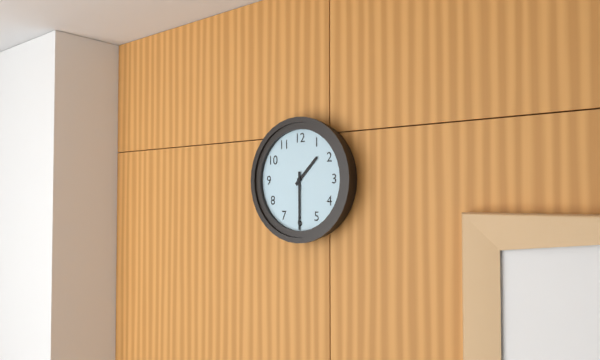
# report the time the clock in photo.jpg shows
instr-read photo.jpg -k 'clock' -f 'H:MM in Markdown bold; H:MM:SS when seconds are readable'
**1:30**
